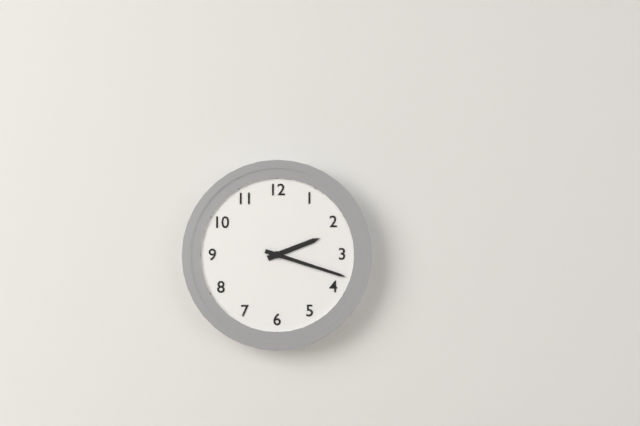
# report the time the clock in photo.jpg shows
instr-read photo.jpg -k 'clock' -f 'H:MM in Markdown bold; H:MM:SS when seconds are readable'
**2:18**
